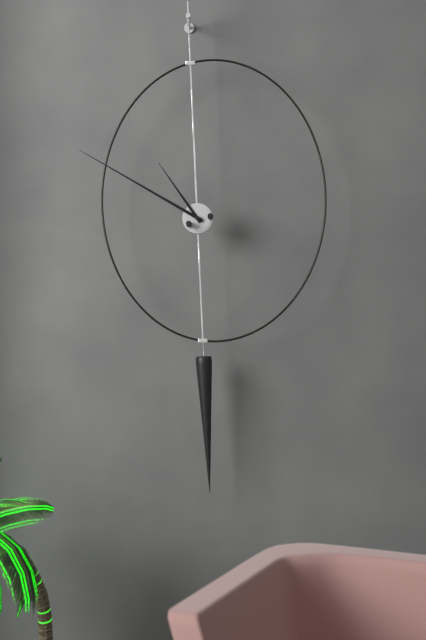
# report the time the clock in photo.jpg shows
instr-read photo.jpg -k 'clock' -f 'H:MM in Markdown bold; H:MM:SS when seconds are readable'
**10:50**
